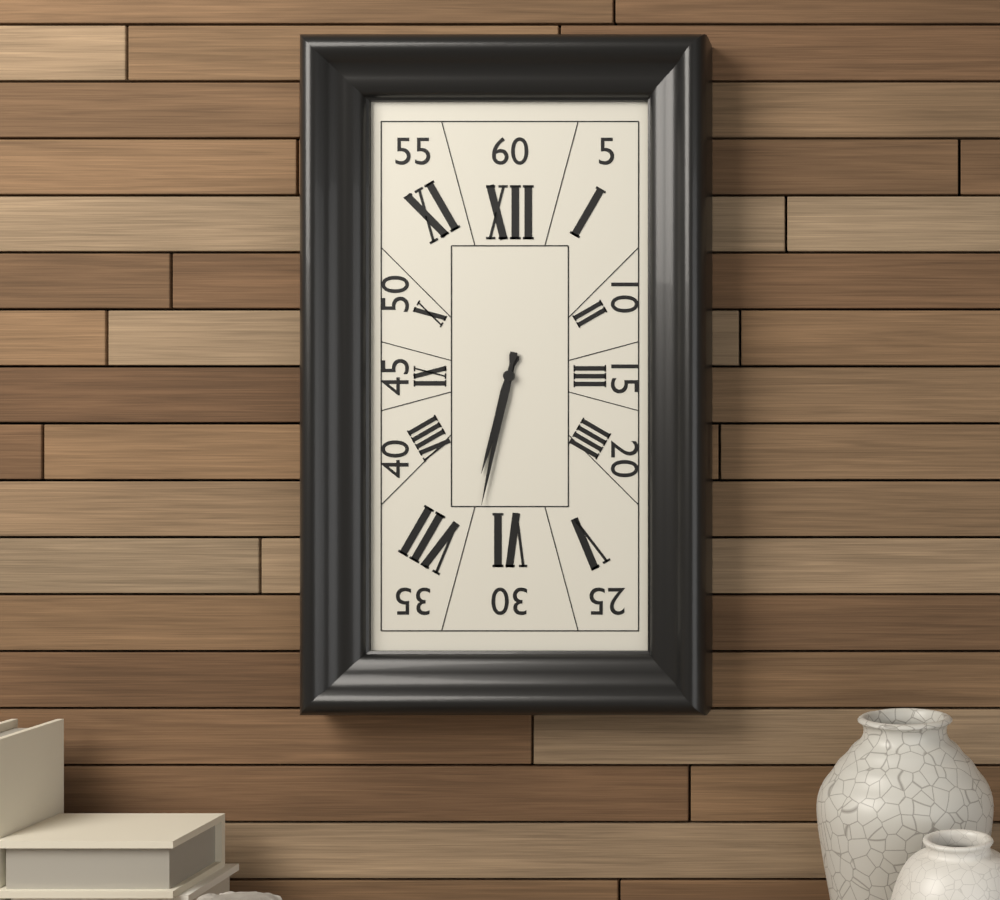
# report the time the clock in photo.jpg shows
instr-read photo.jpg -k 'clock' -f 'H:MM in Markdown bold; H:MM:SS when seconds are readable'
**6:32**
